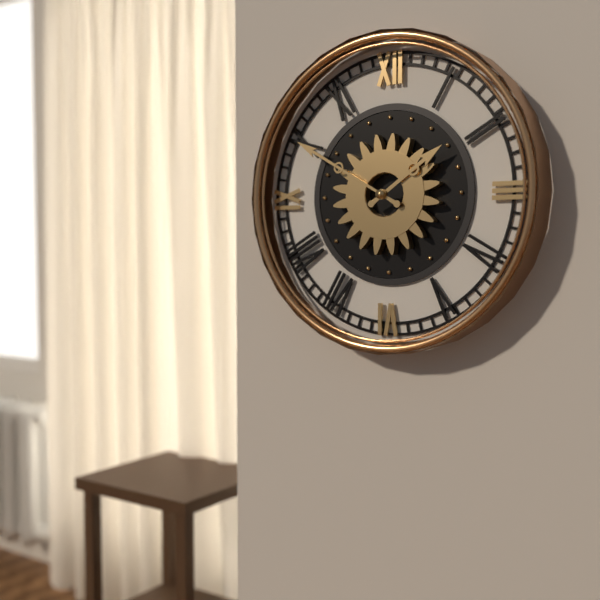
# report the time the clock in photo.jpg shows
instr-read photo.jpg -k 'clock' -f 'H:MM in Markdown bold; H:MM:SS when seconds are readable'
**1:50**
